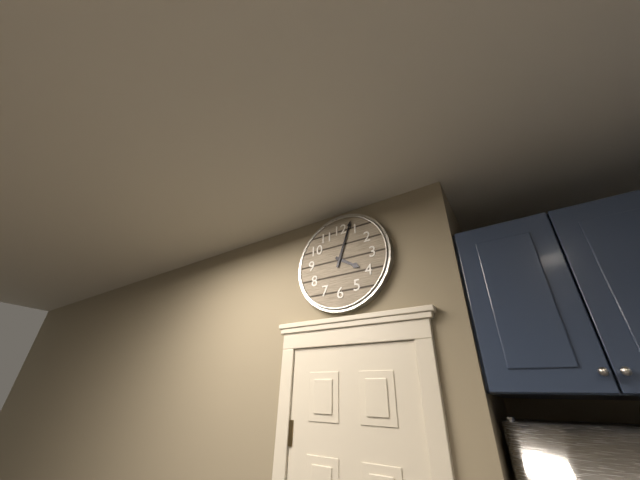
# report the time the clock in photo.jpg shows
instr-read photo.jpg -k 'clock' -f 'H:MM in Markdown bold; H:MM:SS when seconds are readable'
**4:03**
